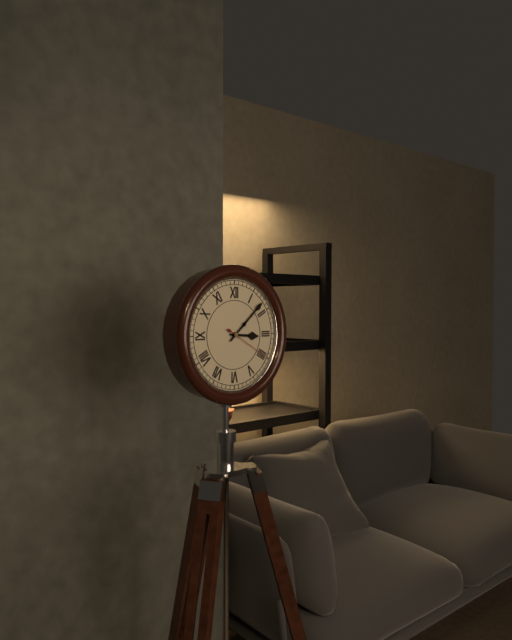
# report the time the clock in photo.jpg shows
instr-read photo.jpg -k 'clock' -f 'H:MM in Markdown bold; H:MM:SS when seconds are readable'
**3:08:20**
